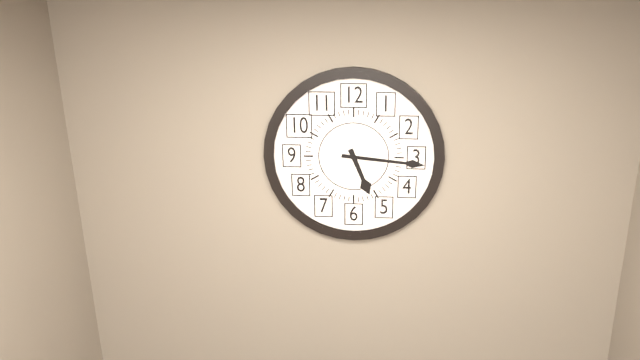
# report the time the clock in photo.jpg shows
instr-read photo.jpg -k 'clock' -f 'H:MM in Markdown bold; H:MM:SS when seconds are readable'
**5:16**
